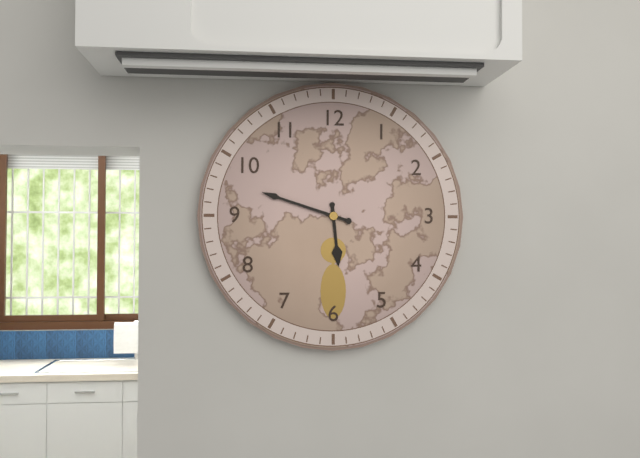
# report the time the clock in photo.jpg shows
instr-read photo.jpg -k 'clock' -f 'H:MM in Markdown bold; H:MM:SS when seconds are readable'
**5:48**
